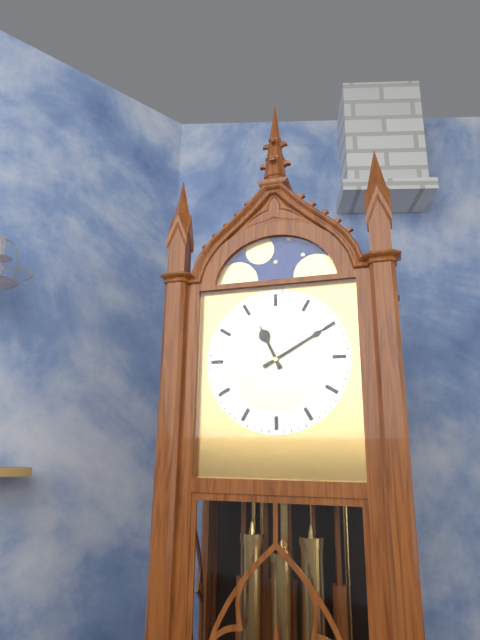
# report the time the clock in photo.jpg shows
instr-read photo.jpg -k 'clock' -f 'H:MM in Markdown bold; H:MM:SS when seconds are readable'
**11:10**
